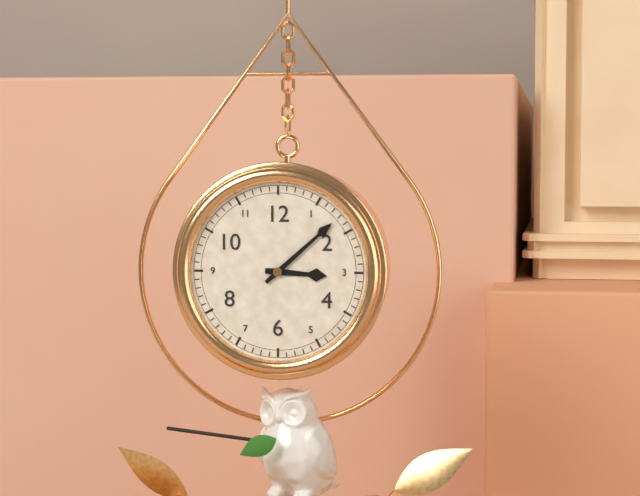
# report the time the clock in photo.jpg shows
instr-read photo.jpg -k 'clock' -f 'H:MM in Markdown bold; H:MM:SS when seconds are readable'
**3:08**
